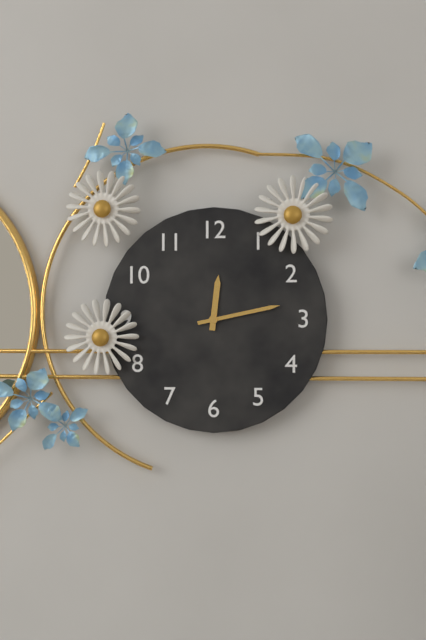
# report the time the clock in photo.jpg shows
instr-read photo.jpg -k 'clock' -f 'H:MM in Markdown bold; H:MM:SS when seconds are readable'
**12:13**
